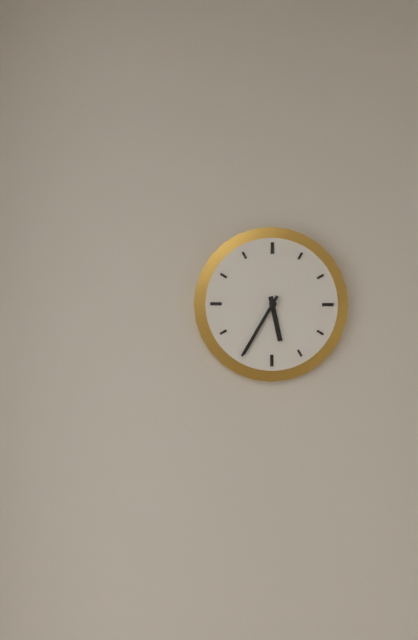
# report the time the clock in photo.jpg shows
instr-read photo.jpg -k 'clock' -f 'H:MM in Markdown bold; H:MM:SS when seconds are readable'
**5:35**
